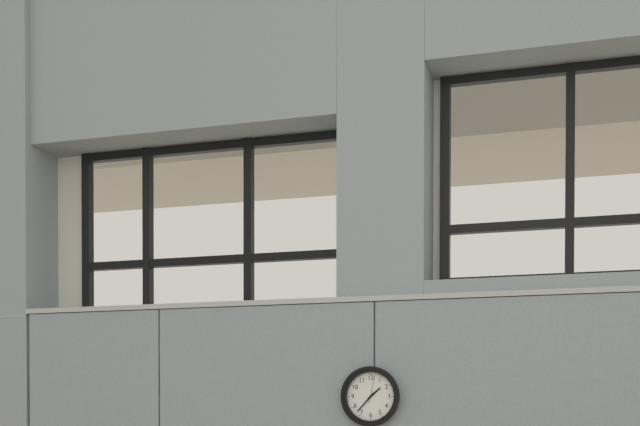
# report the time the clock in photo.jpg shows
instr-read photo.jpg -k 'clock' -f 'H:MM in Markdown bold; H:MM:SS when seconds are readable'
**1:37**
